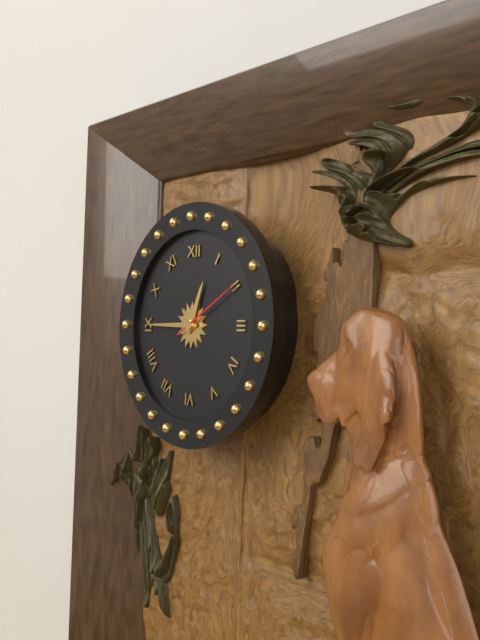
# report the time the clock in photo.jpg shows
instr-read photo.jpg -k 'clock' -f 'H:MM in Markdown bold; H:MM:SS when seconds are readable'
**12:45:10**
